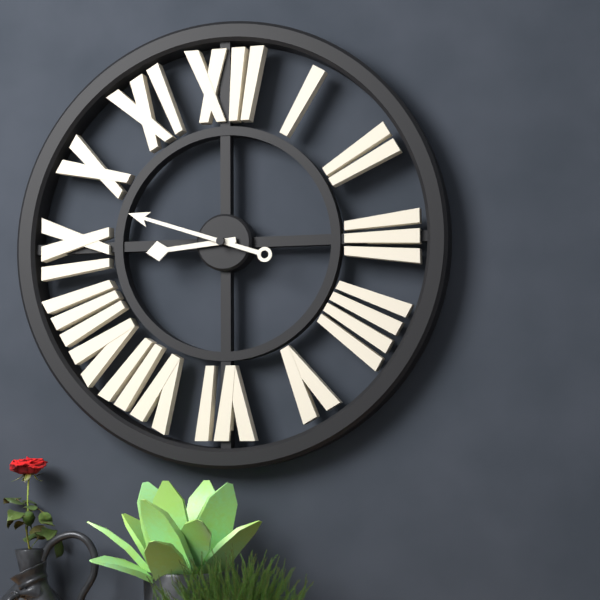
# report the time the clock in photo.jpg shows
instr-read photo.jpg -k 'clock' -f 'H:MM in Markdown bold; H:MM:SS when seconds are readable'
**8:48**
